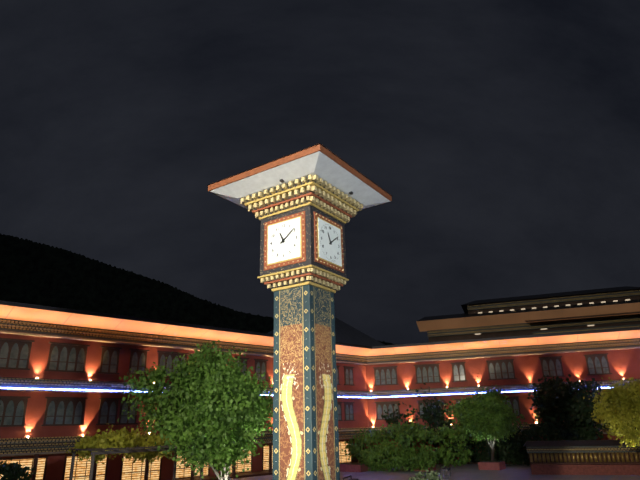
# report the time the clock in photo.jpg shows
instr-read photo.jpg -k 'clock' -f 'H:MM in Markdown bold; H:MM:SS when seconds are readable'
**11:09**
